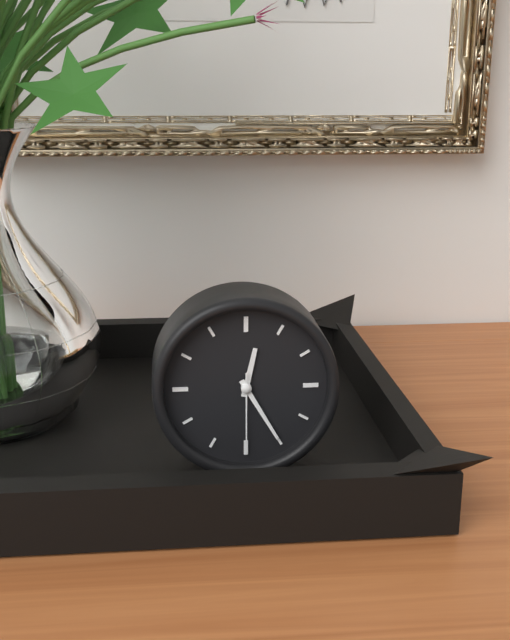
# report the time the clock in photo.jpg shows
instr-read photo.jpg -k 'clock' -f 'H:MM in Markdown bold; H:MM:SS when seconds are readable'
**12:25:30**
